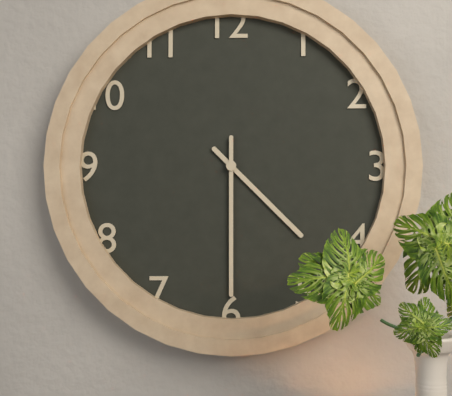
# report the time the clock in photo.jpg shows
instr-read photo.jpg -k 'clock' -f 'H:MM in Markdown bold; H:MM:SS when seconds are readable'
**4:30**
